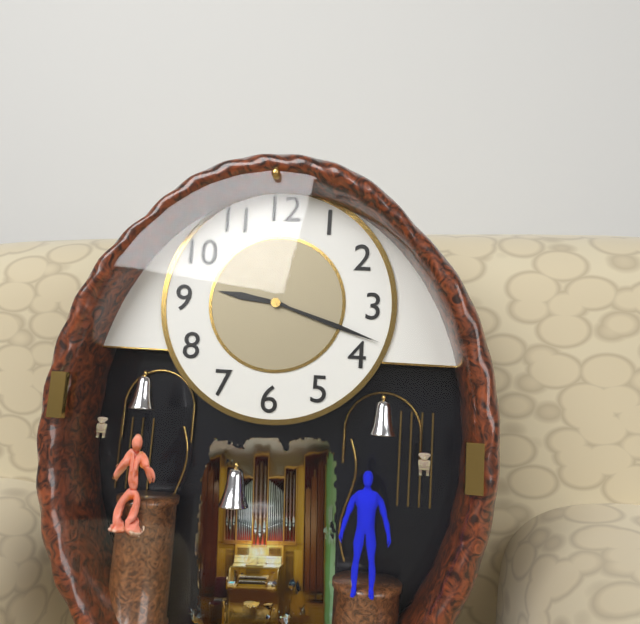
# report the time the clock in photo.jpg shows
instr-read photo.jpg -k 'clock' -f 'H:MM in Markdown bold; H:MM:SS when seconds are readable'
**9:18**
